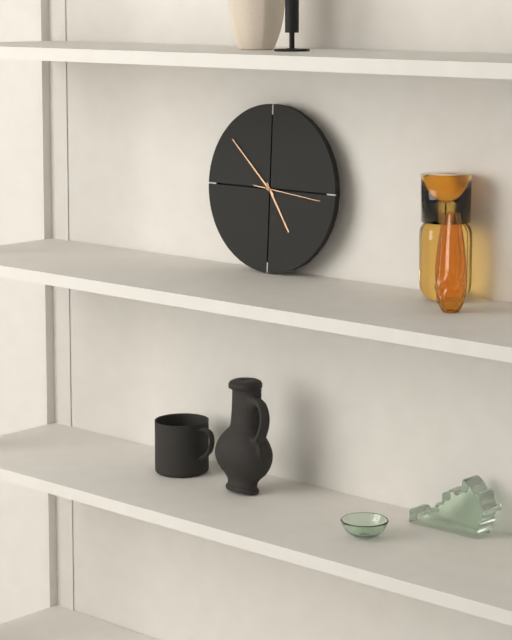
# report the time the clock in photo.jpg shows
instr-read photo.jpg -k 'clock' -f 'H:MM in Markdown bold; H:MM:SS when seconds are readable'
**4:52:16**
